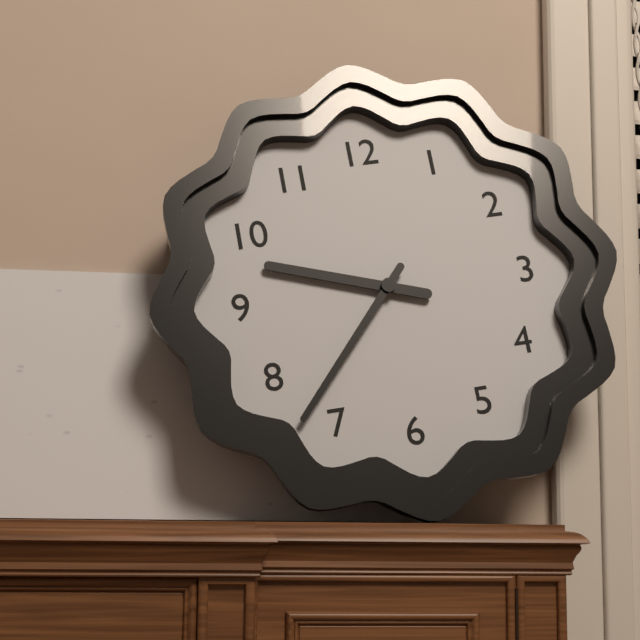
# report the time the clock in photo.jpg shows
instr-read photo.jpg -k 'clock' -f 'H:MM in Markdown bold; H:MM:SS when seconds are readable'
**9:37**
